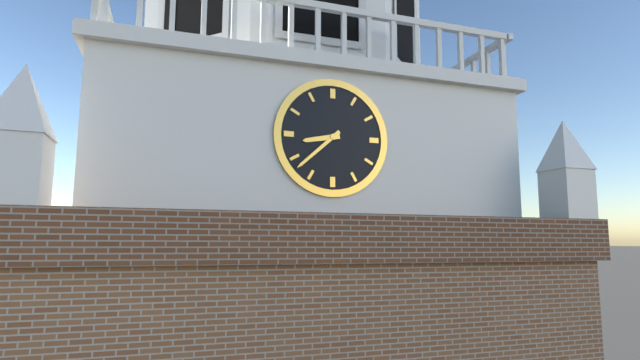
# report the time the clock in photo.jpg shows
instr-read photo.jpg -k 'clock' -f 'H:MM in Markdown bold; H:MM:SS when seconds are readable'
**8:38**
